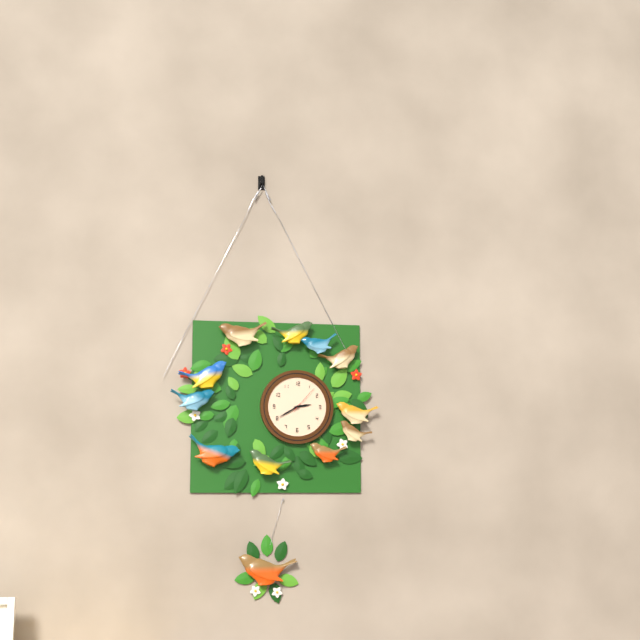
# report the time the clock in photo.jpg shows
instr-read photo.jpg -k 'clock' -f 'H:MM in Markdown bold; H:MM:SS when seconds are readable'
**2:40**
